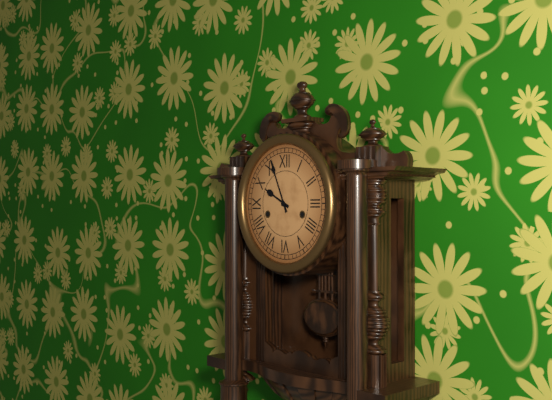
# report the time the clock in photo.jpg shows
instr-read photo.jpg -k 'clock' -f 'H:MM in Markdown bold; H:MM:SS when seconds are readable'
**9:56**
